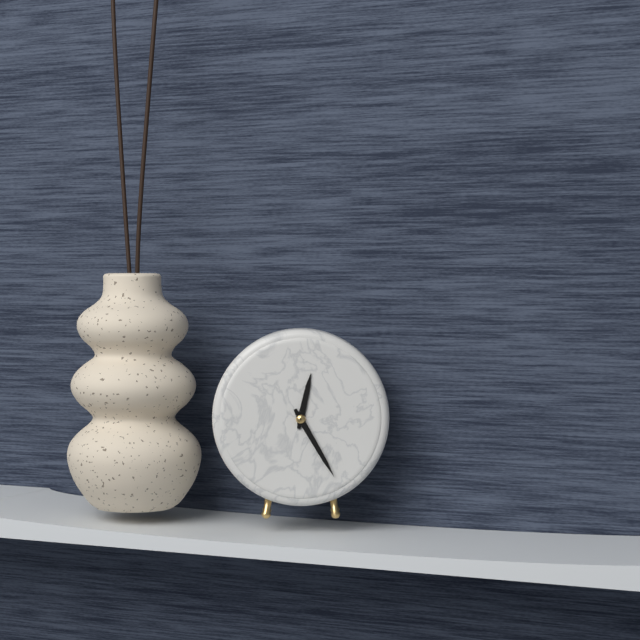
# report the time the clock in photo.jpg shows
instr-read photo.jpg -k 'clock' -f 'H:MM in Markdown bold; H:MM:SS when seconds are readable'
**12:25**
